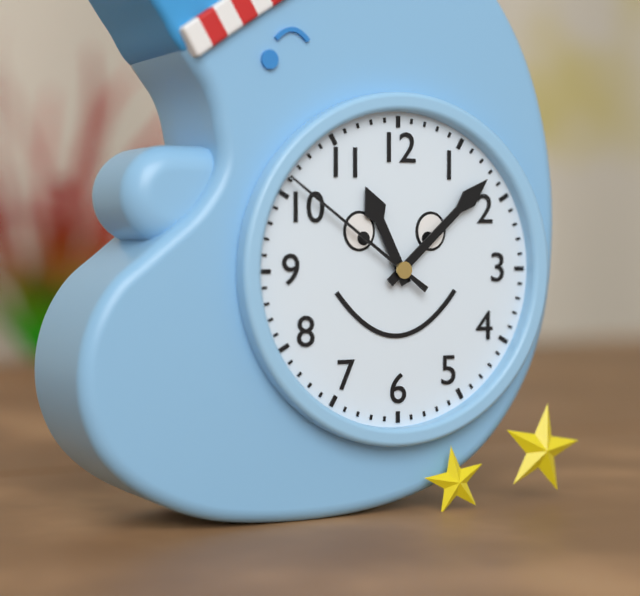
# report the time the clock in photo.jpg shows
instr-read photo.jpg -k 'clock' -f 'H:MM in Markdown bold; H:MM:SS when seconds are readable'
**11:08:51**
